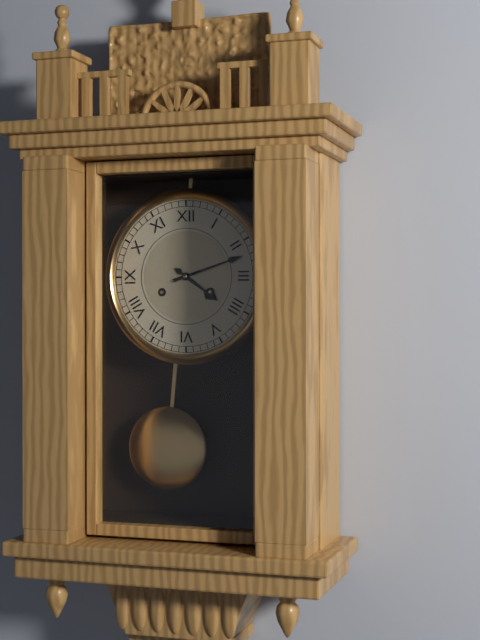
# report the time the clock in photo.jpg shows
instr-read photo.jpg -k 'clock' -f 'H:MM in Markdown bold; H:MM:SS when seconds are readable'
**4:12**
